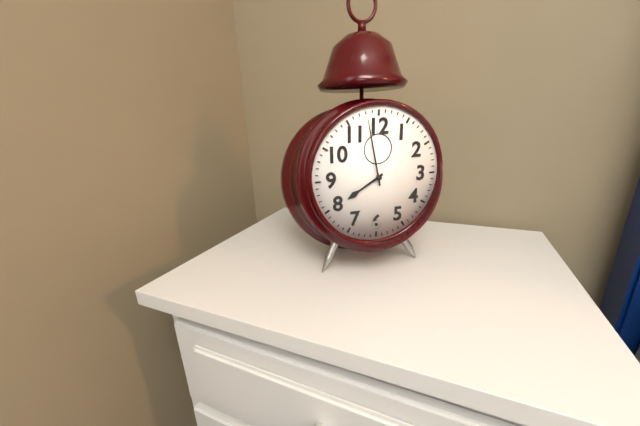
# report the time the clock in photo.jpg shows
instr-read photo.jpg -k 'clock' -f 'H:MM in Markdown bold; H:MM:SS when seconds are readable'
**7:58**
